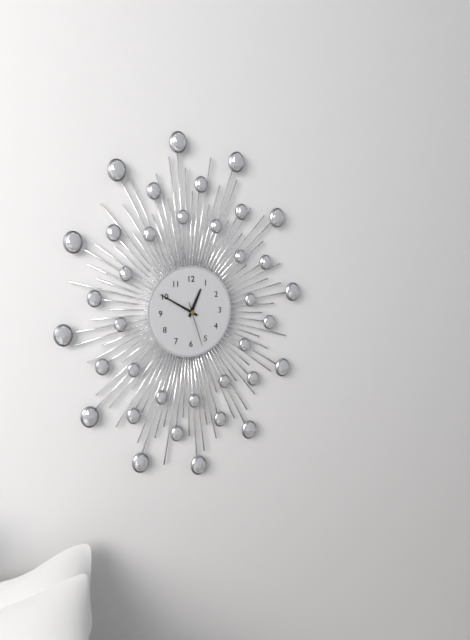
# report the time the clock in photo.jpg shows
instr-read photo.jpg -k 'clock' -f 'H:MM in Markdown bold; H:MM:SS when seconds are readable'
**12:50**
